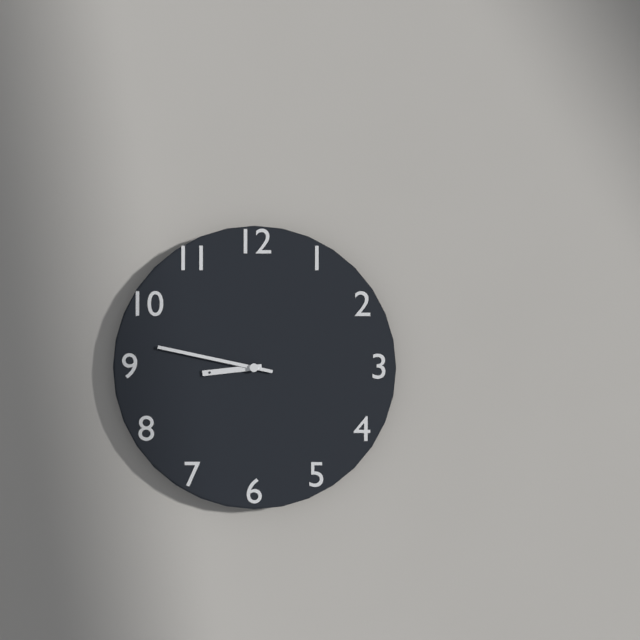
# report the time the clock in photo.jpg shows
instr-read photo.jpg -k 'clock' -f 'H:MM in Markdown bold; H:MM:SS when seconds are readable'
**8:47**
